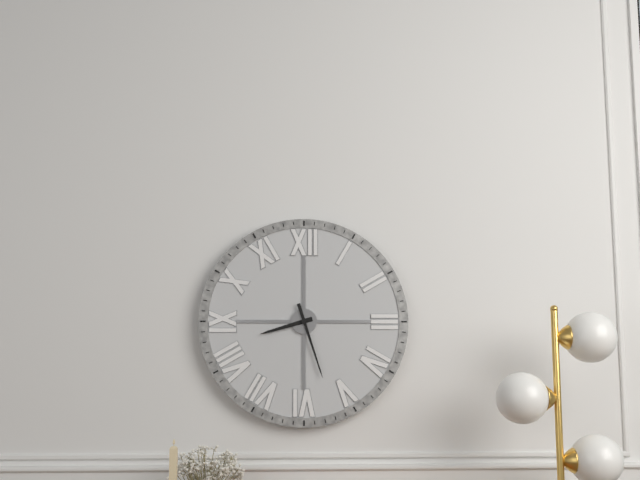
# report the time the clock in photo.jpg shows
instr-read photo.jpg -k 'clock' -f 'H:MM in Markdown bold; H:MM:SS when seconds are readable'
**8:27**
